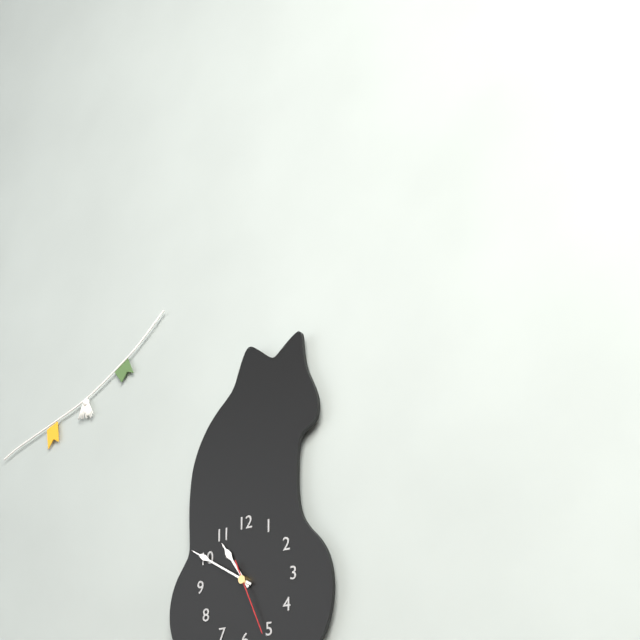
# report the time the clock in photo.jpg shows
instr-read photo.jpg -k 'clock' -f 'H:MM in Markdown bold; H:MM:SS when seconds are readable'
**10:50:26**
